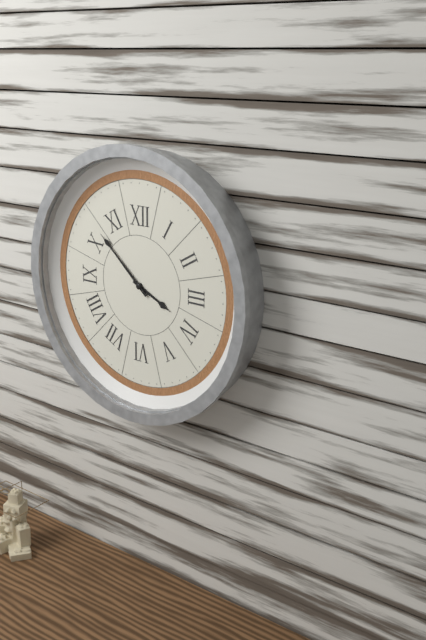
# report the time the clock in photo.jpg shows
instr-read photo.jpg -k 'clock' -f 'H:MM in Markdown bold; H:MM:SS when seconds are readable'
**3:52**
